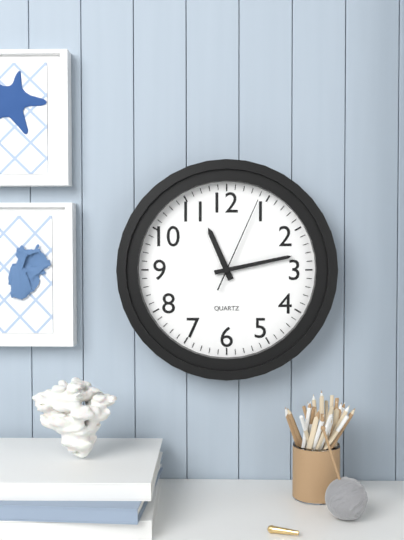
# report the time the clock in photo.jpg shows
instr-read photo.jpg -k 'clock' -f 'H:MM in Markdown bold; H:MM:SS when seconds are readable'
**11:13:04**
